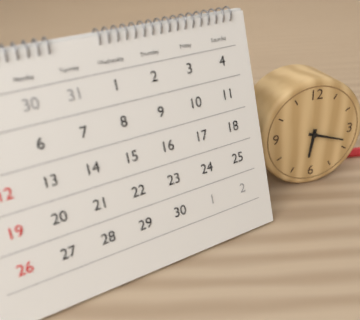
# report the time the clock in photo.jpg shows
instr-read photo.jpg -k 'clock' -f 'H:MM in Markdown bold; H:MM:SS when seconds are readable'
**6:18**
